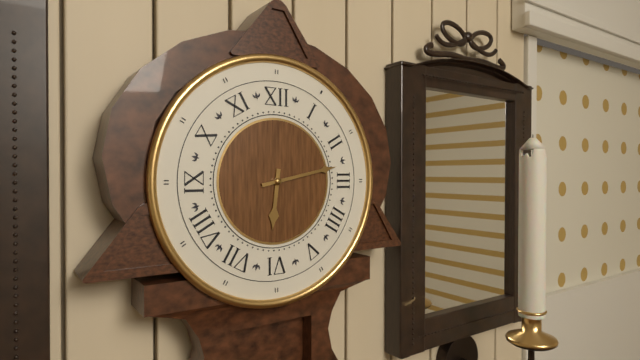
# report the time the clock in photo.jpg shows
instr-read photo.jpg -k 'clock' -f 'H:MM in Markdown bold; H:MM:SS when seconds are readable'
**6:13**
